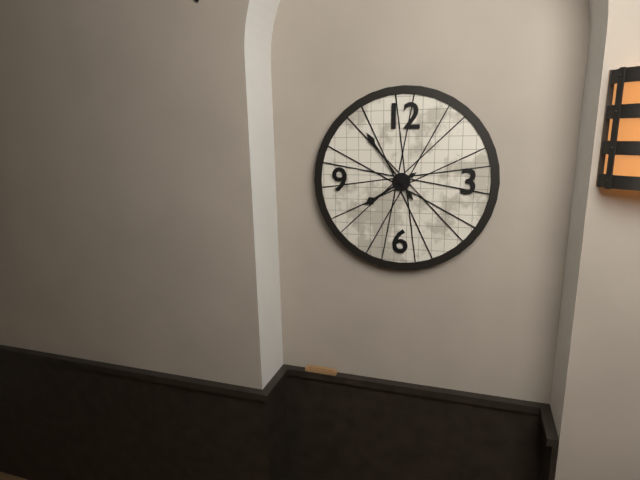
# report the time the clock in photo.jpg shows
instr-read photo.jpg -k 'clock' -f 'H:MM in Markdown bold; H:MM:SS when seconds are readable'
**7:54**
